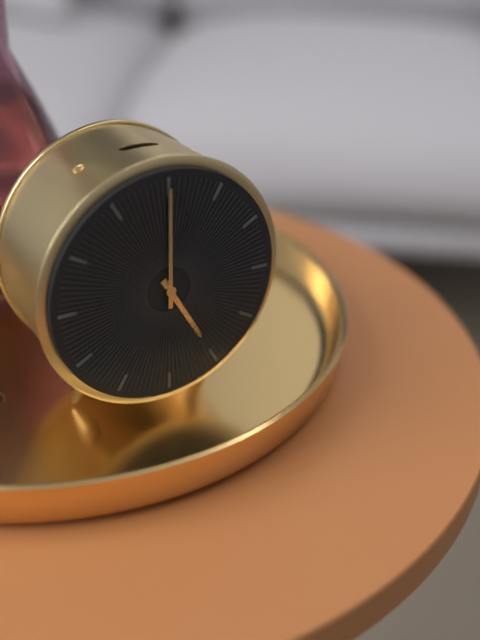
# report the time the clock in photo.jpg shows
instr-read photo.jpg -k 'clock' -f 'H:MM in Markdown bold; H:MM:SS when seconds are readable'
**5:00**
